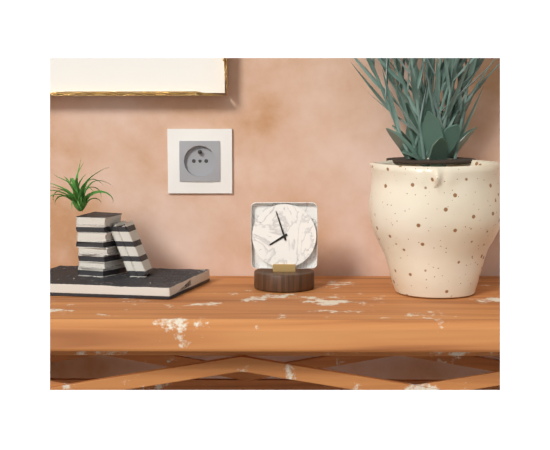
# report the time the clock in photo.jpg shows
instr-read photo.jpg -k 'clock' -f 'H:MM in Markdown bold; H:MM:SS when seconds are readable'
**7:57**
